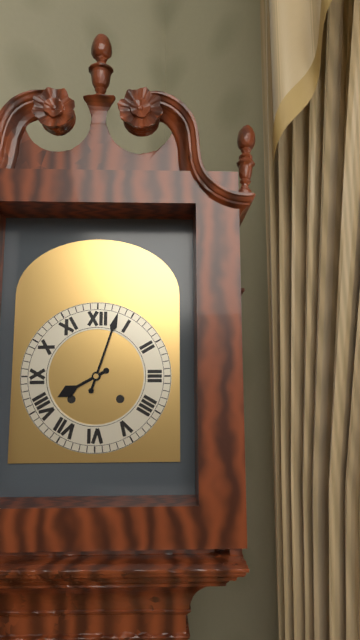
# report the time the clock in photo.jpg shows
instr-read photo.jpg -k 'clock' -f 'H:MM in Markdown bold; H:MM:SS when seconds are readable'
**8:03**
